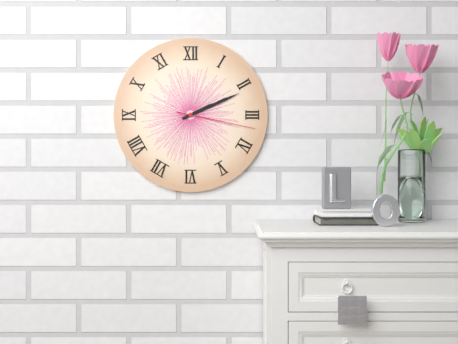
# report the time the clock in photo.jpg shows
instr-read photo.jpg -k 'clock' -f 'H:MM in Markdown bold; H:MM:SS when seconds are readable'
**2:11:17**
